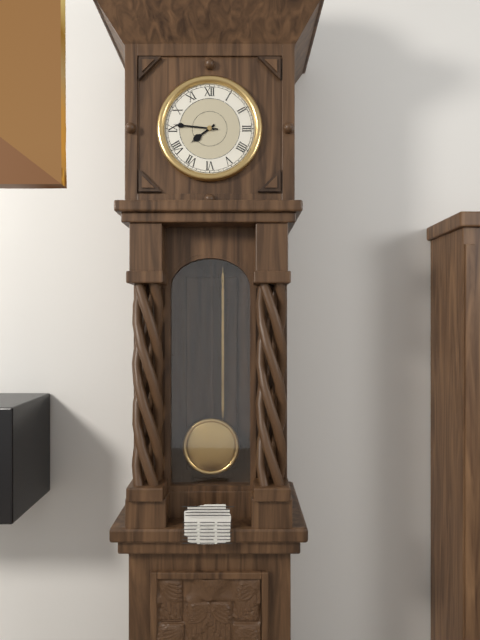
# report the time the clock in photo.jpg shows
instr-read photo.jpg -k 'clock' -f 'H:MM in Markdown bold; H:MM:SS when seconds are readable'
**7:46**
